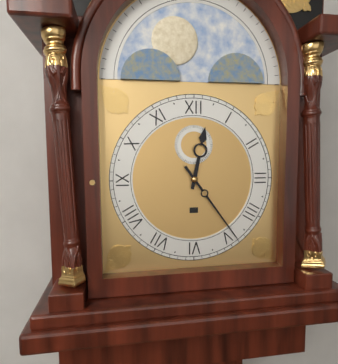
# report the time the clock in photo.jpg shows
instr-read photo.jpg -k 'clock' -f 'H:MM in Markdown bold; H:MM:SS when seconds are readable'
**12:24**
